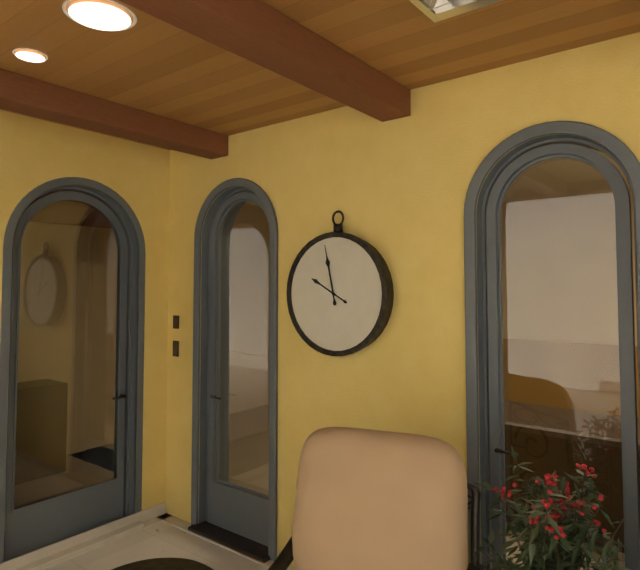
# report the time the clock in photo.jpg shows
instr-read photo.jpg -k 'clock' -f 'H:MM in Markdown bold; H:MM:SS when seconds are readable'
**9:58**
